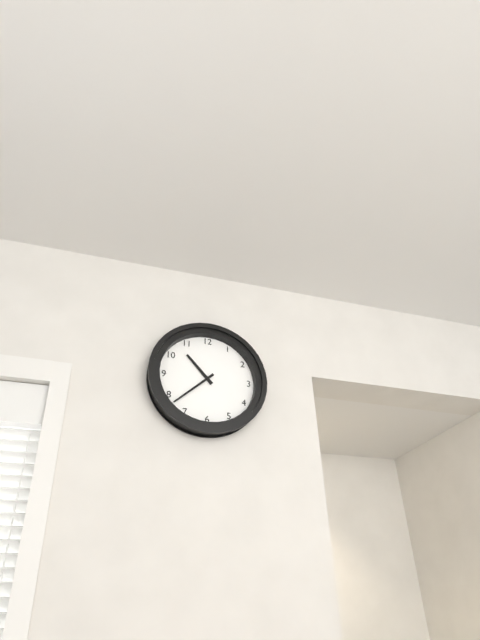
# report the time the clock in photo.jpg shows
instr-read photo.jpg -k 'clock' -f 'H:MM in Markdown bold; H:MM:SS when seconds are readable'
**10:38**
